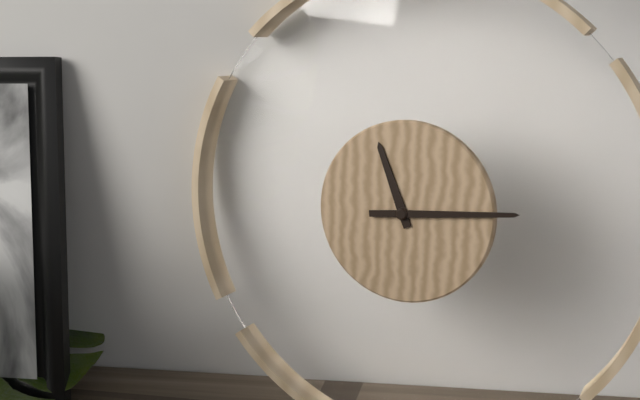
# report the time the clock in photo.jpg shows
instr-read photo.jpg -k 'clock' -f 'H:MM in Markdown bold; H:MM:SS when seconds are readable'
**11:14**
